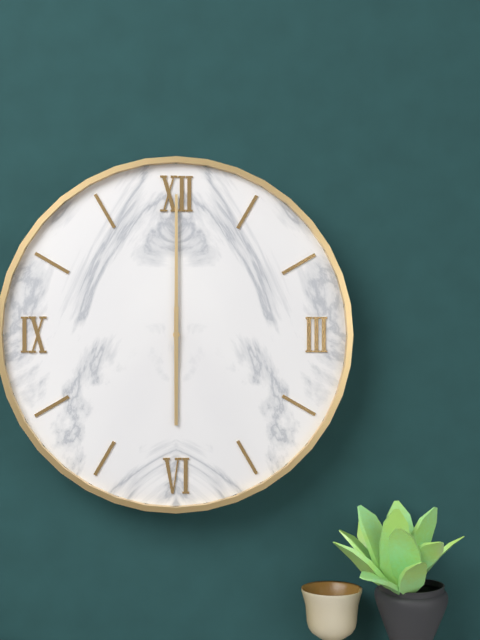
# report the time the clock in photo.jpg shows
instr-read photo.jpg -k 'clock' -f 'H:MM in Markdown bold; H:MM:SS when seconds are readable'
**6:00**
